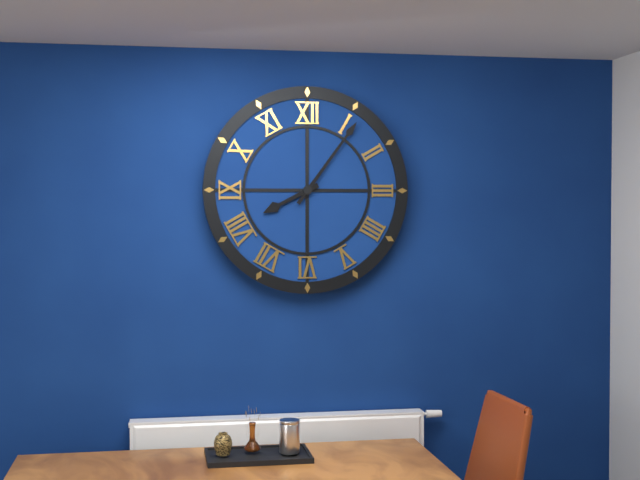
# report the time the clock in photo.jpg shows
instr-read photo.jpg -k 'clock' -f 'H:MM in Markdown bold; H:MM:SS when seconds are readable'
**8:06**
